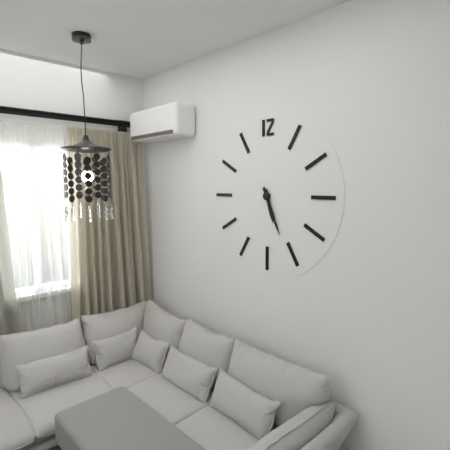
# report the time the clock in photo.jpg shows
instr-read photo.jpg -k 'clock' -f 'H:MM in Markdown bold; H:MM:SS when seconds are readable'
**5:26**
